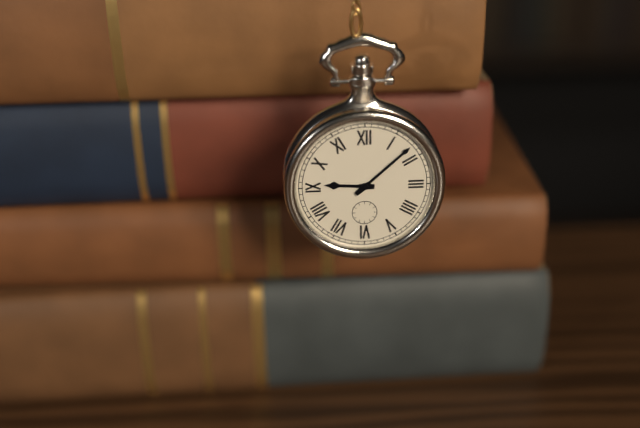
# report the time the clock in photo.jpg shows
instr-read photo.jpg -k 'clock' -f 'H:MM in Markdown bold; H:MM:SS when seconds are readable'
**9:08**
